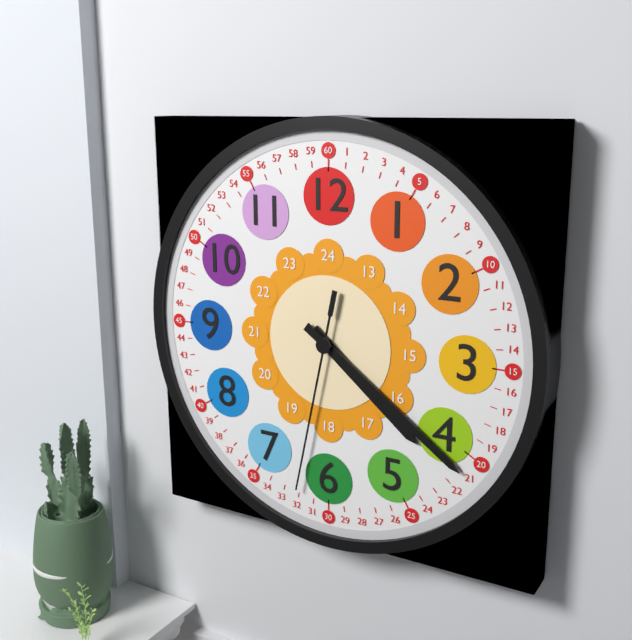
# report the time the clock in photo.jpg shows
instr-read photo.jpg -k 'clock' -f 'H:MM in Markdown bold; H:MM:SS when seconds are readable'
**4:21:32**
